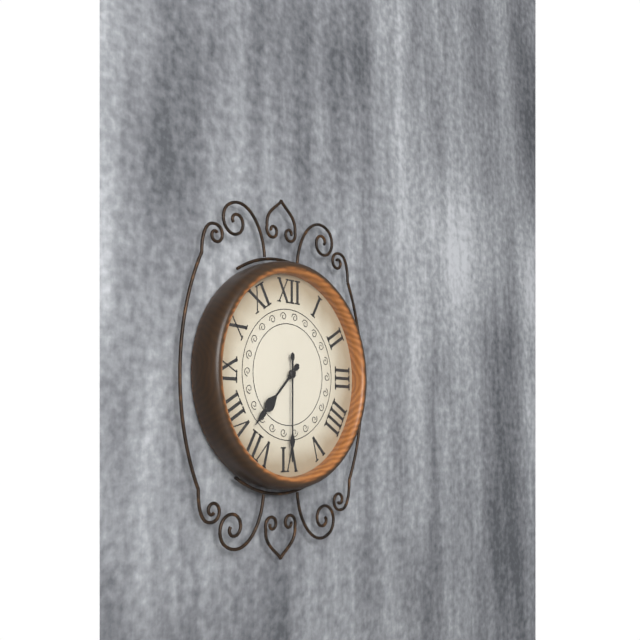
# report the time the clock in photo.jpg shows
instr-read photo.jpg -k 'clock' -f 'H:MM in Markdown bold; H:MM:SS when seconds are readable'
**7:30**
